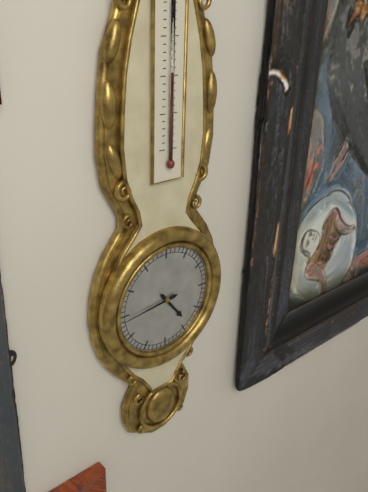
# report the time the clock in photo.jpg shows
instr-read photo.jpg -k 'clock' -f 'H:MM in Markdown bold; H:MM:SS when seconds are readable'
**4:44**
